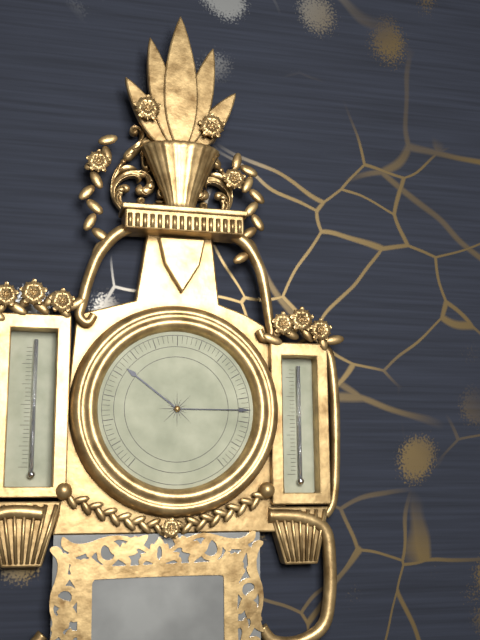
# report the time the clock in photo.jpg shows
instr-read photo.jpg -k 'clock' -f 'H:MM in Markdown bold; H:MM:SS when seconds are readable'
**10:15**
